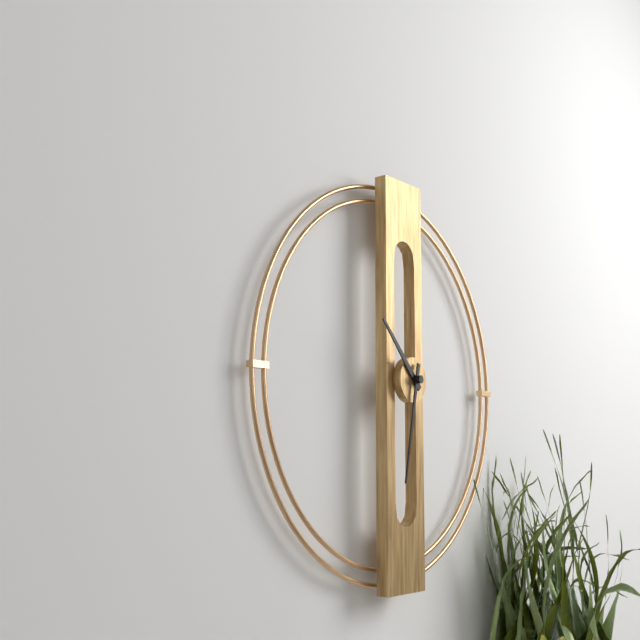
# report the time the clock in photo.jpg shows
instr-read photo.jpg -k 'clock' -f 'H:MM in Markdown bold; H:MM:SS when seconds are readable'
**10:32**
